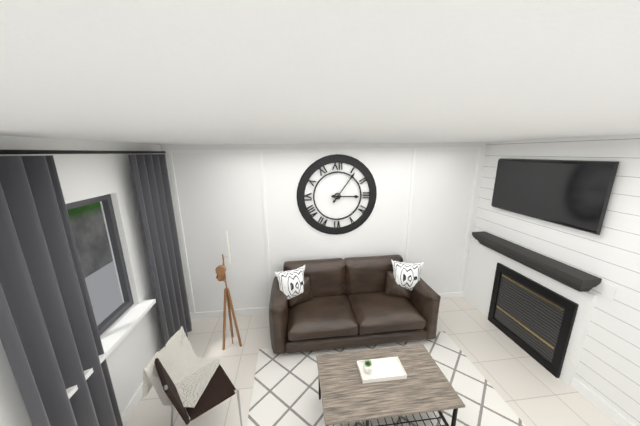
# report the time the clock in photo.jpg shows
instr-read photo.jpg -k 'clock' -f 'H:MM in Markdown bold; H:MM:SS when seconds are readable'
**3:06**
